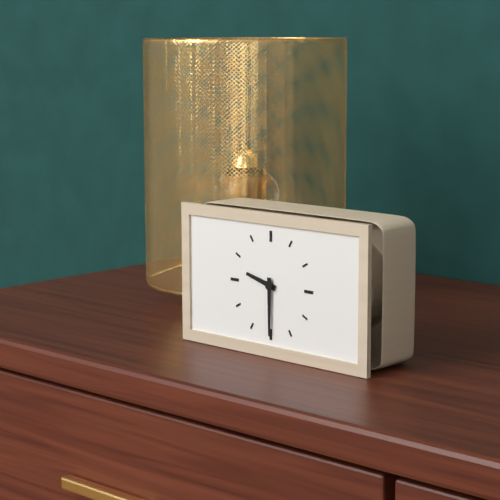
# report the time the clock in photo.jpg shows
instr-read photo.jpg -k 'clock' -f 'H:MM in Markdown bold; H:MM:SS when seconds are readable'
**9:30**
